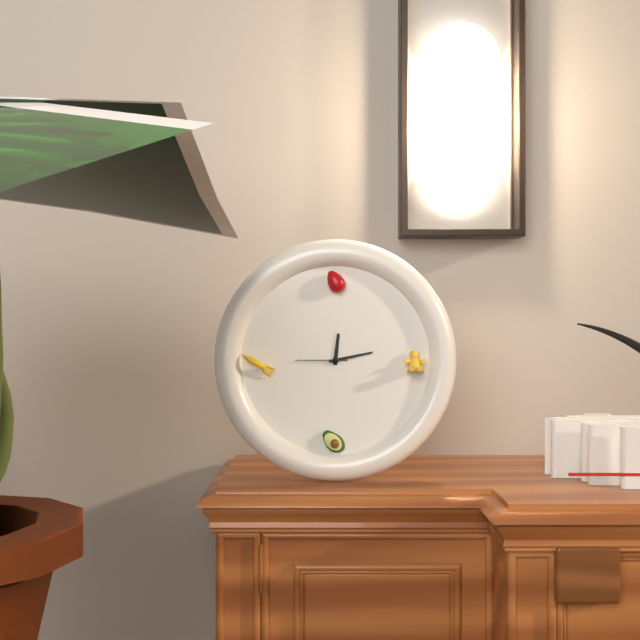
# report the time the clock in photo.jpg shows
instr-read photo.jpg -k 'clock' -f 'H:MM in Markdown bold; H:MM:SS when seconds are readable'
**12:13:45**
